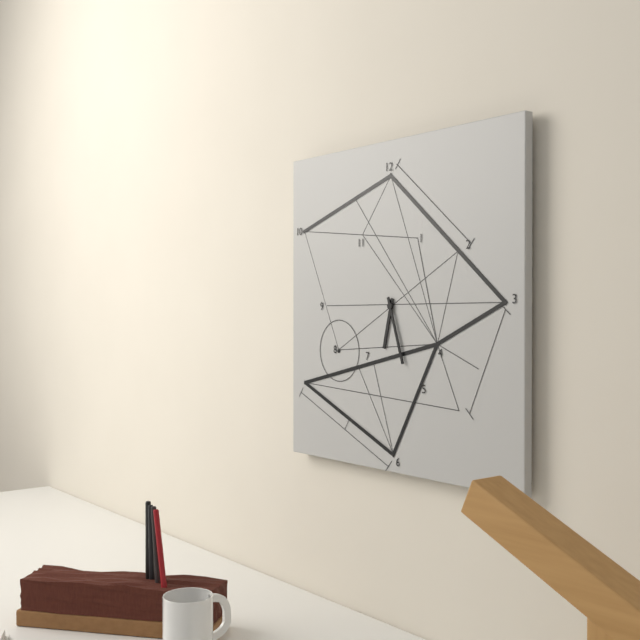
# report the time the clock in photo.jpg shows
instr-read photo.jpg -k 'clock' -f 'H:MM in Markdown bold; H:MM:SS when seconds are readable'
**6:27**
